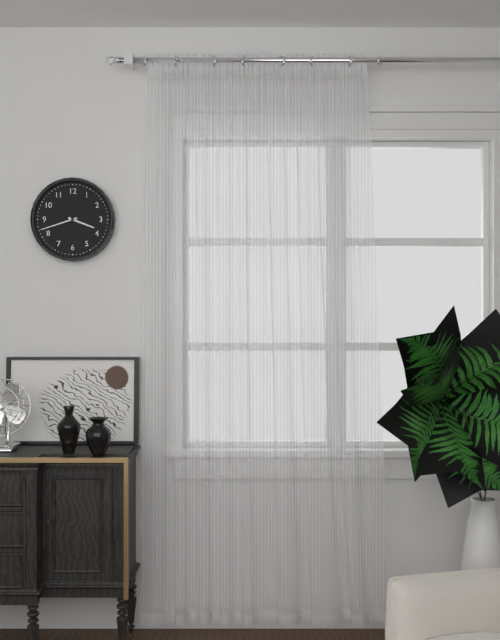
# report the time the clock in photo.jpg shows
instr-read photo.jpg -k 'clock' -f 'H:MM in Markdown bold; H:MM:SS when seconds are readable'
**3:42**
